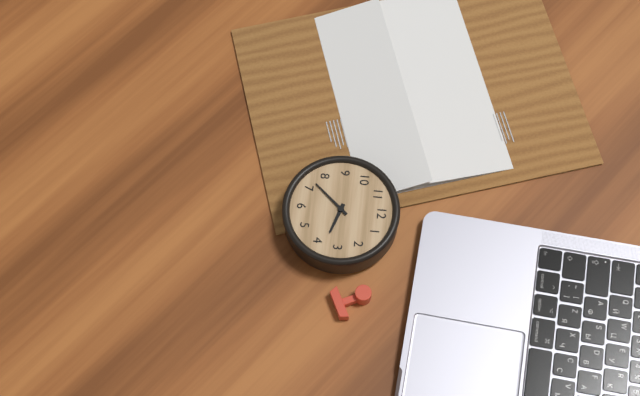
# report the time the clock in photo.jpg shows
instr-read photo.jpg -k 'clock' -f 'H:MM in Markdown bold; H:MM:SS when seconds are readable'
**3:37**
